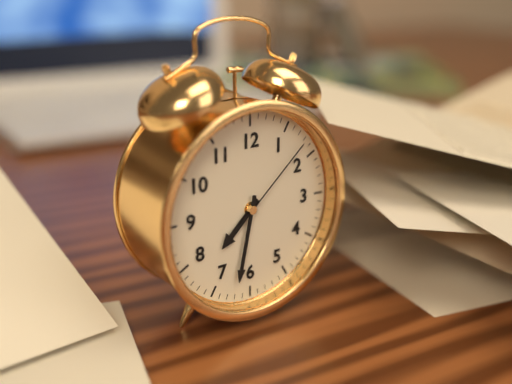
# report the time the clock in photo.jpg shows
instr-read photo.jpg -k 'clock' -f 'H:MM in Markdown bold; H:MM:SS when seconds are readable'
**7:32:08**
